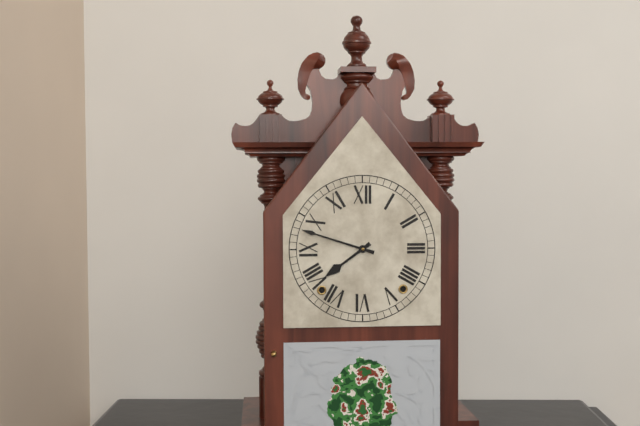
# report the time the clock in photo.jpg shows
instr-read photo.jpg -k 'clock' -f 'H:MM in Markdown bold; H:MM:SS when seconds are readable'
**7:48**
